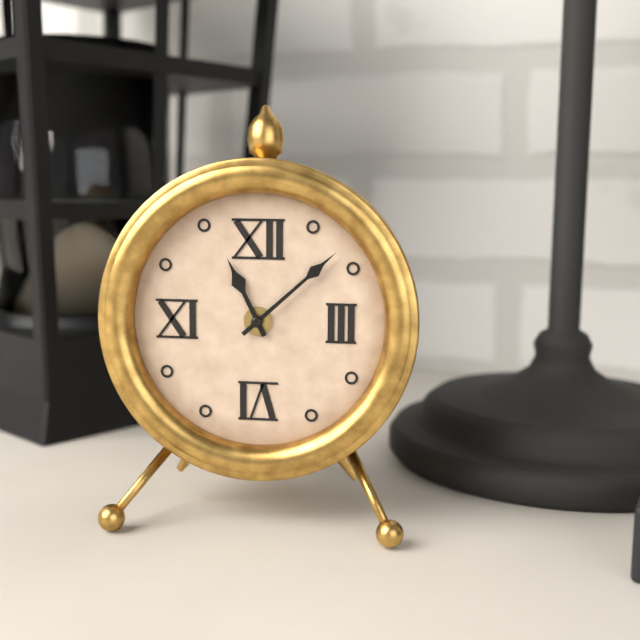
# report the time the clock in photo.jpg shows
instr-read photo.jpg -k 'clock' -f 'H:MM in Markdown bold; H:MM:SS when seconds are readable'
**11:08**
